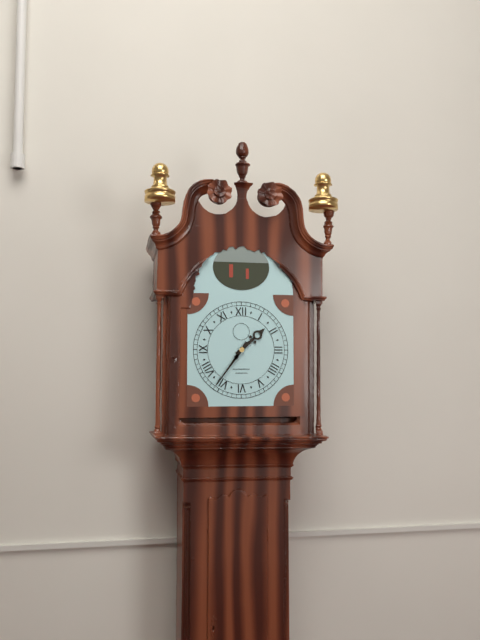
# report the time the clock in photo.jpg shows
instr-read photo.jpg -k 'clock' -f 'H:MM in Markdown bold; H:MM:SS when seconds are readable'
**1:36**
